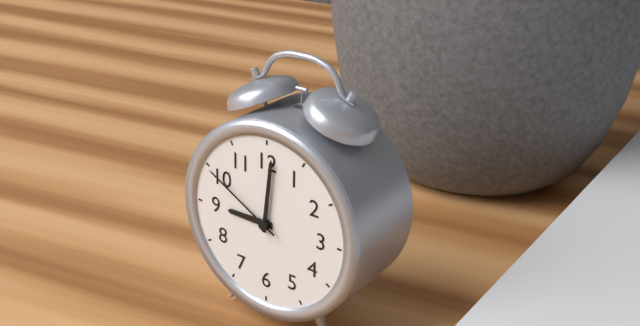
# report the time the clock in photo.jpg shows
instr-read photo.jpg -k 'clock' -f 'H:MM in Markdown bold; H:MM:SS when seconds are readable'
**9:01:50**
